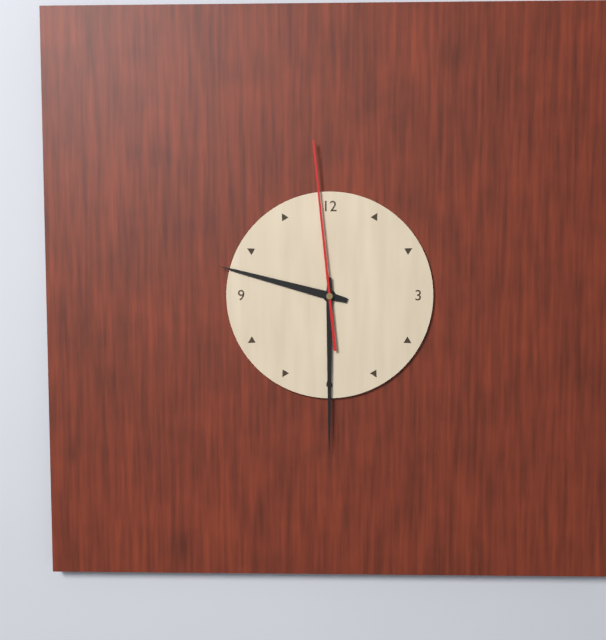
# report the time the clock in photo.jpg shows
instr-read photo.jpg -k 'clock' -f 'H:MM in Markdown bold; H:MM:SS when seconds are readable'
**9:30:59**
